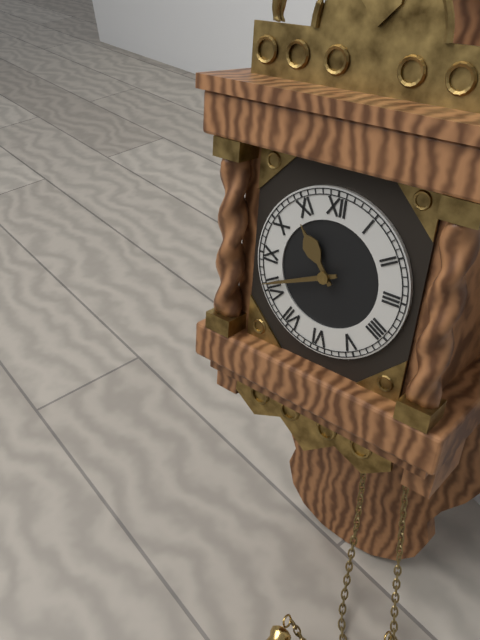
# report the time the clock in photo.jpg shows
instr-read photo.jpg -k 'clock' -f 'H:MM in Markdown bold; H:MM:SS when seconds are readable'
**10:41**
